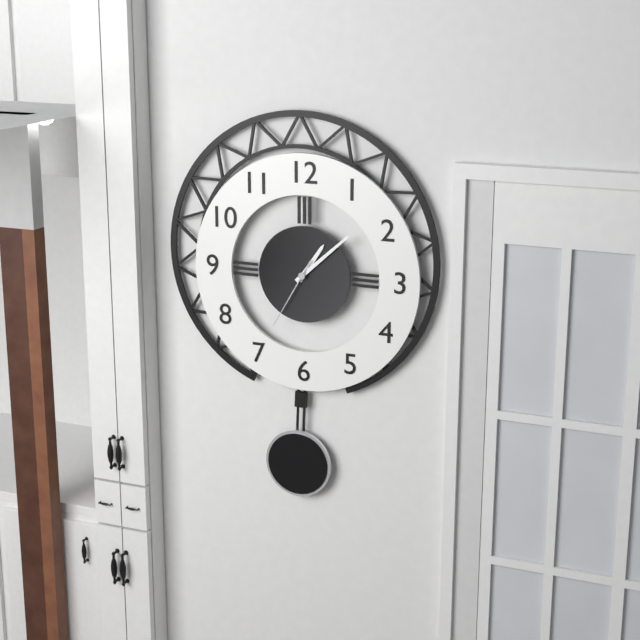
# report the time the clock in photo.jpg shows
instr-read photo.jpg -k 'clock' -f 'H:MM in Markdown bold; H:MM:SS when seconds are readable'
**1:08:35**
